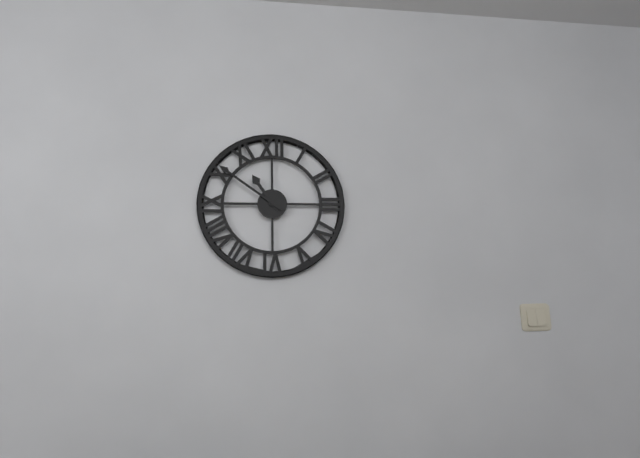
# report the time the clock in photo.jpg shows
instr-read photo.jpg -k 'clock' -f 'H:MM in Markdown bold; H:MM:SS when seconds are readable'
**10:51**
